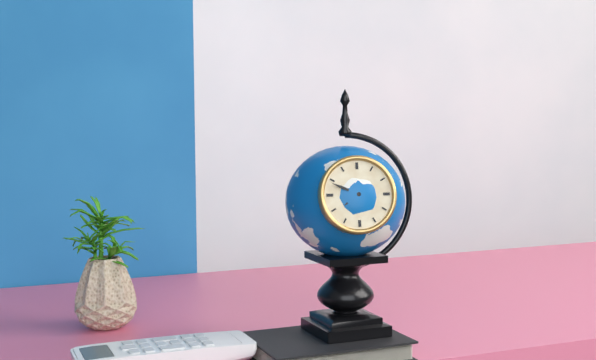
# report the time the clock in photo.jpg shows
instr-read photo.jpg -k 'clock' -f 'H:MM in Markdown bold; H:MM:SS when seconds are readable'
**7:49**
